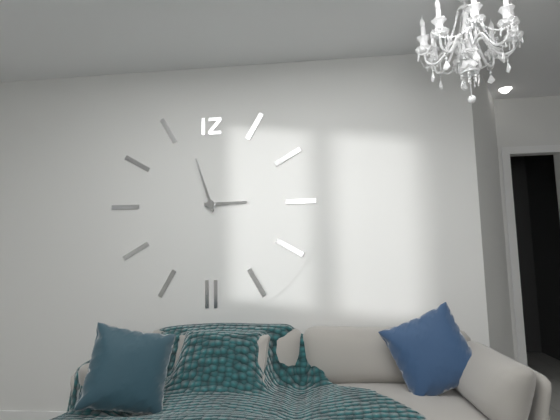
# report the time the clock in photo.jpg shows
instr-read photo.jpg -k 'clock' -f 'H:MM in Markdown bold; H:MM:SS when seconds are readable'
**2:57**
